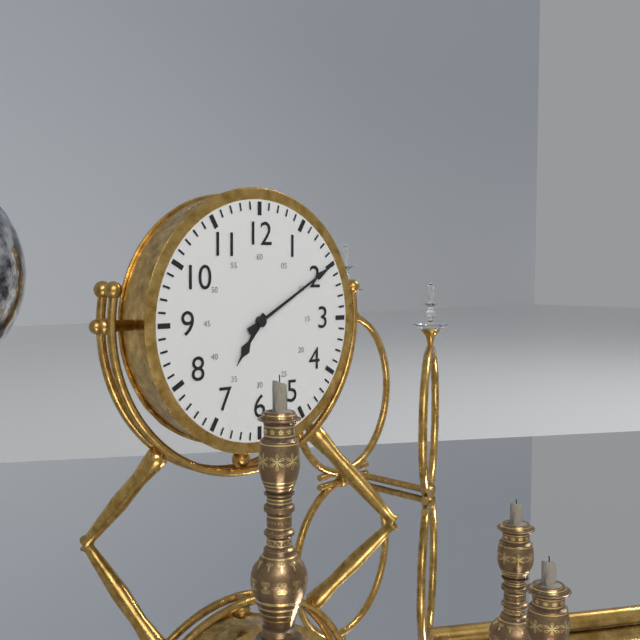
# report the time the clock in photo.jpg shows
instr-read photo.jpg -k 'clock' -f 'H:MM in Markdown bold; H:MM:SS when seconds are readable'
**7:10**
